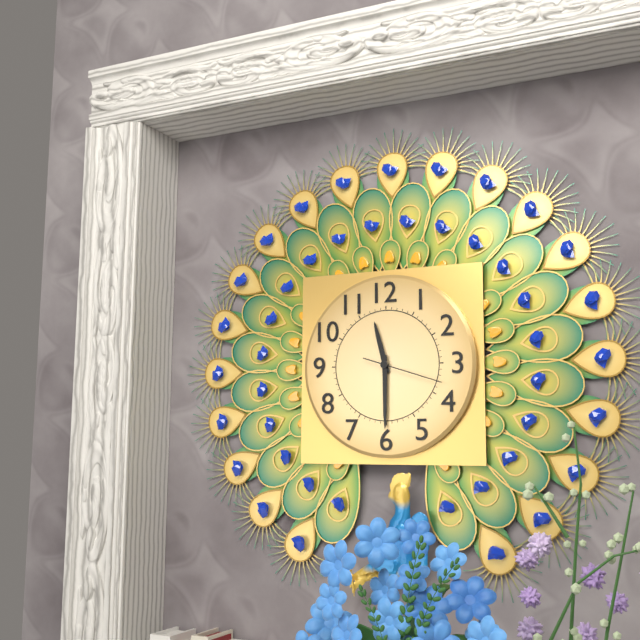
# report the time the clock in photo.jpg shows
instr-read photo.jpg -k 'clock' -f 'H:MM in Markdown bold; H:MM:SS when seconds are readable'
**11:30:18**
